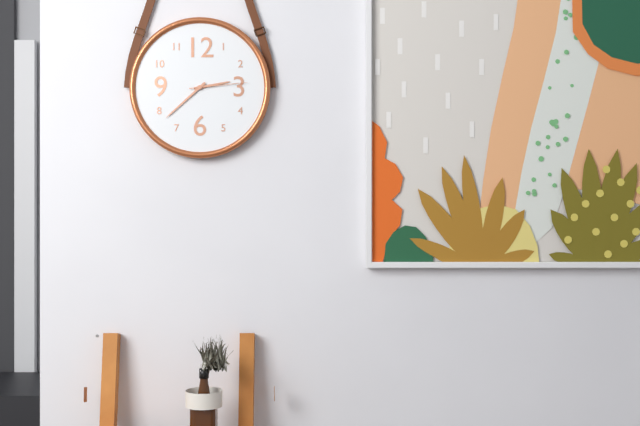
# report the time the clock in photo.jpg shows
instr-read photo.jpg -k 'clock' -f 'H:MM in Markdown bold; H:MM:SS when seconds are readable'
**2:38:14**
